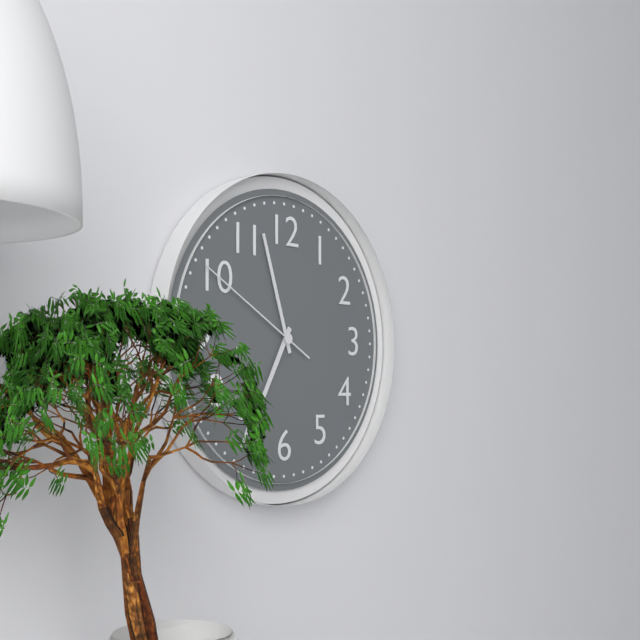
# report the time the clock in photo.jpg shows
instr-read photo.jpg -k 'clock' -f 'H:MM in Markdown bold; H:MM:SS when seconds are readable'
**6:57:50**
